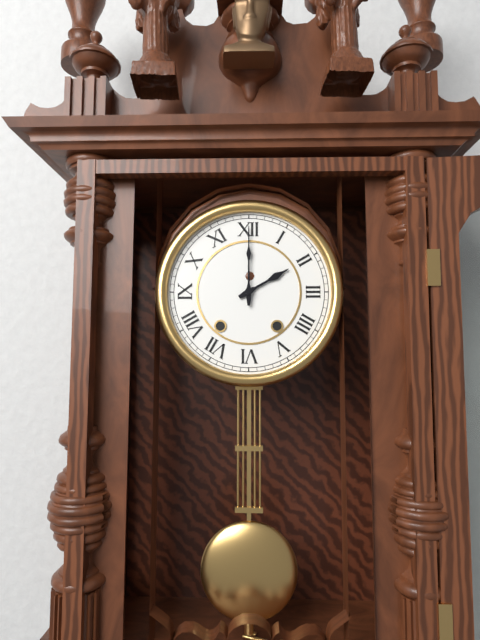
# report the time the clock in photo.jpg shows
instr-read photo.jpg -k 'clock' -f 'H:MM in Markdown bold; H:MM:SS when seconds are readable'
**2:00**
